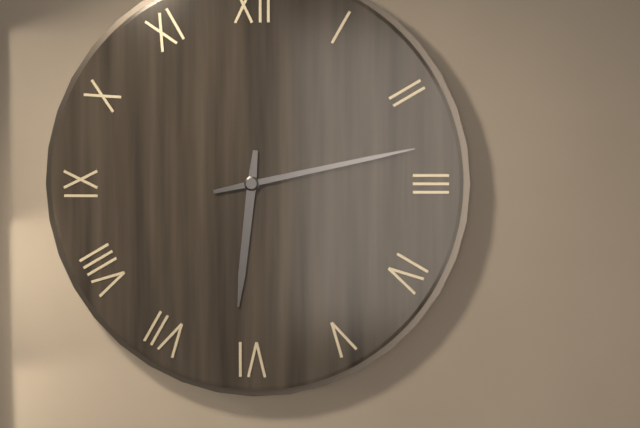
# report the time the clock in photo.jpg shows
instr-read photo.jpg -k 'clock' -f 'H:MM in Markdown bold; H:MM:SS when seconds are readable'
**6:13**
